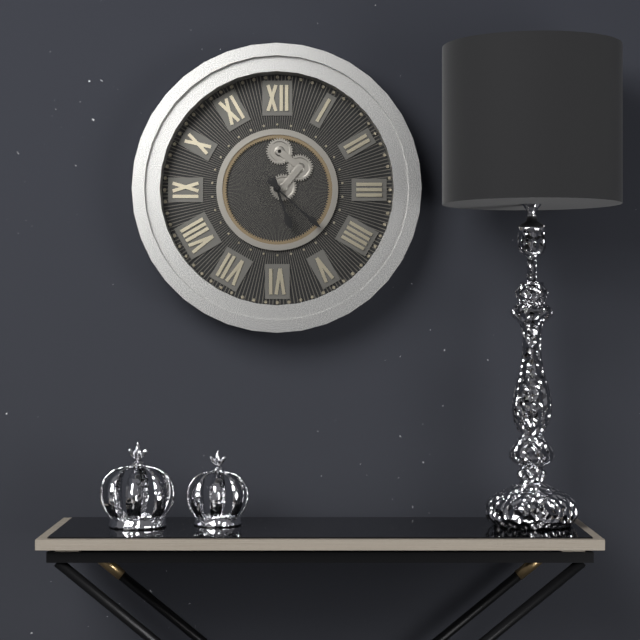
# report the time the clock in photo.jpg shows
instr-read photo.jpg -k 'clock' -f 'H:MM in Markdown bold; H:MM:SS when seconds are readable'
**5:22**
